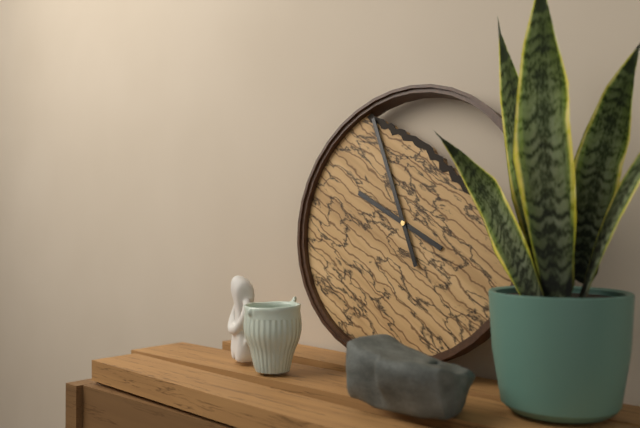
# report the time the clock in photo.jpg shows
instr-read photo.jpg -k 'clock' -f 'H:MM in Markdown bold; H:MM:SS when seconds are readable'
**9:56**
